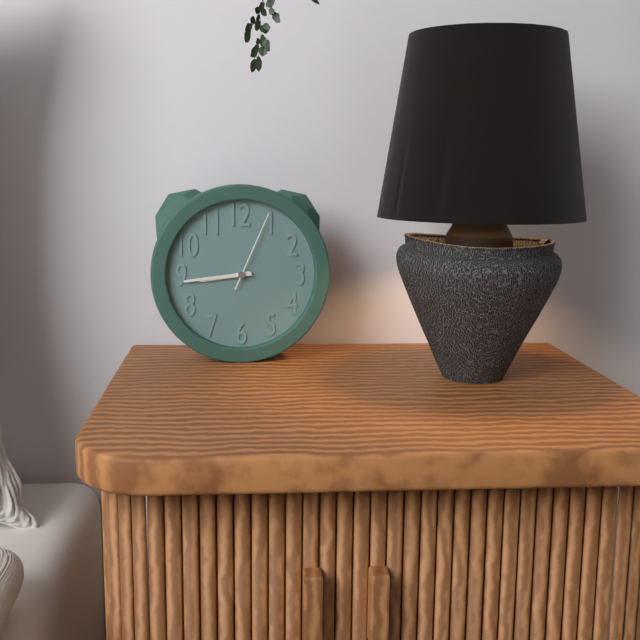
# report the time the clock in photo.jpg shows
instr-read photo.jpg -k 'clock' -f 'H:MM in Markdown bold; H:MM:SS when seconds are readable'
**8:44:04**
